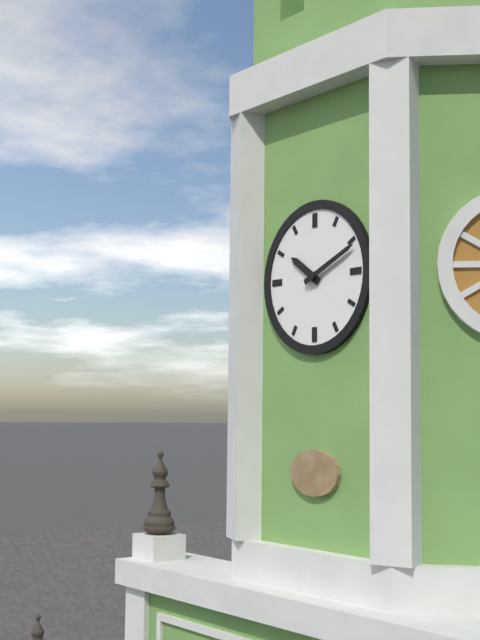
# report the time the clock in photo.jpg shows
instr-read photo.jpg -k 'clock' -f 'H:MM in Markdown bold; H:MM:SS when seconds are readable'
**10:11**
